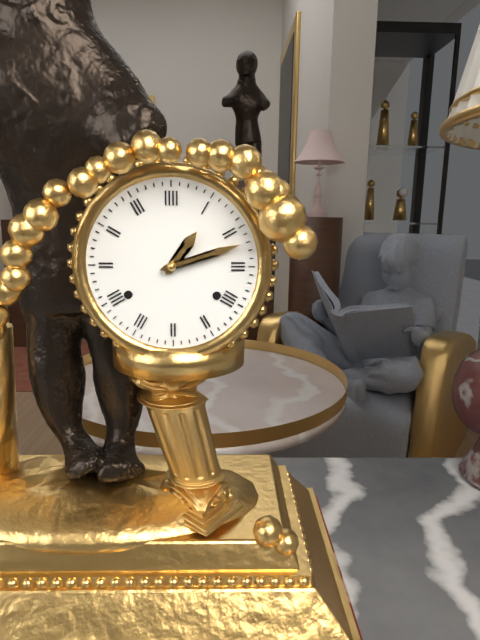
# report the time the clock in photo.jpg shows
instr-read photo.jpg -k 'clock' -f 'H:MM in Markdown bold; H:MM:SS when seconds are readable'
**1:12**
